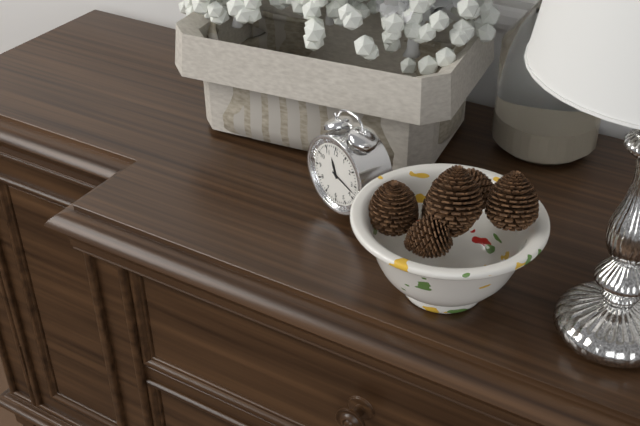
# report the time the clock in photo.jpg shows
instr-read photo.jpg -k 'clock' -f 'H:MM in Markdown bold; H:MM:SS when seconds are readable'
**11:18**
